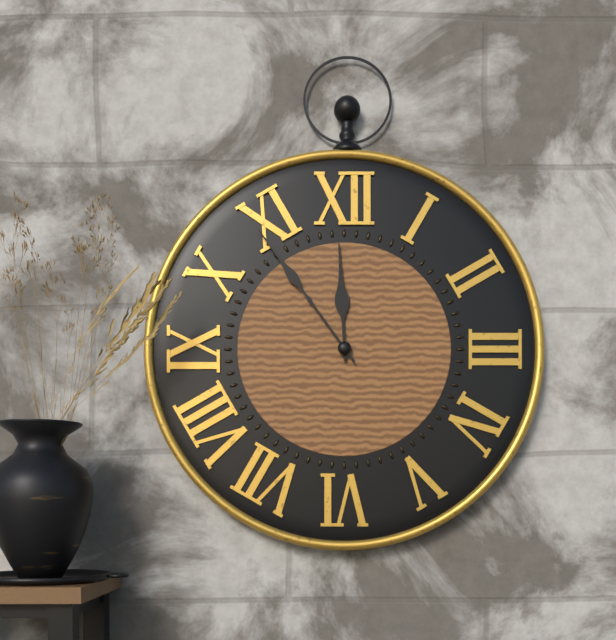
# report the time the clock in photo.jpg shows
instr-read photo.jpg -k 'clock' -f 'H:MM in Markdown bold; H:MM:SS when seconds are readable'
**11:54**
